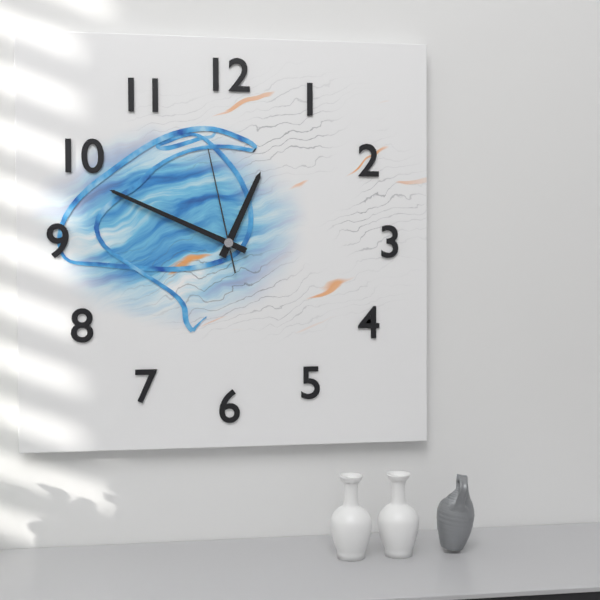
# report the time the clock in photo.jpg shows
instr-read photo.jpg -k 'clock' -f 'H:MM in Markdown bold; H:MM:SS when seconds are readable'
**12:49:58**
